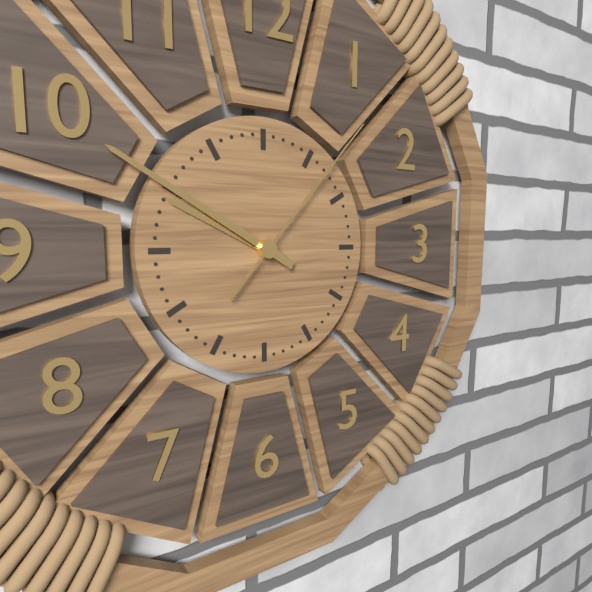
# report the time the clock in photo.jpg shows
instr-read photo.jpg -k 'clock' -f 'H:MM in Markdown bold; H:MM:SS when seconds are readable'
**9:50:07**
